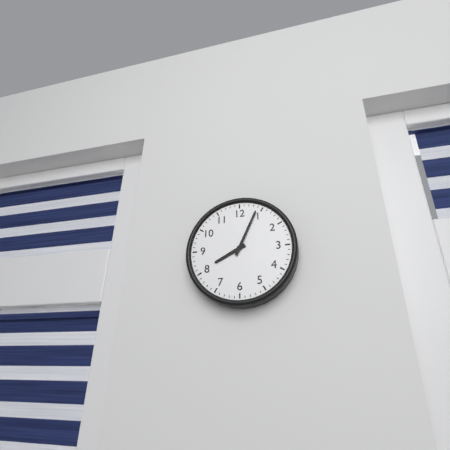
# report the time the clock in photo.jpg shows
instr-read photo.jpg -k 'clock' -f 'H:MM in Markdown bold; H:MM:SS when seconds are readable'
**8:04**
